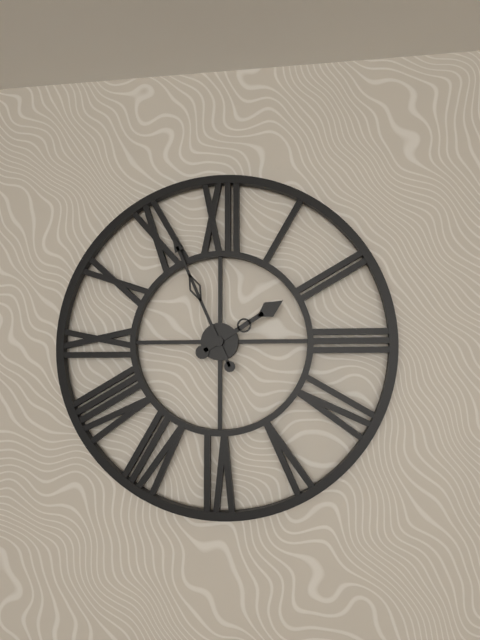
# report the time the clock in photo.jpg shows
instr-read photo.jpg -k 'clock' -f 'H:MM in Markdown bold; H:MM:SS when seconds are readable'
**1:56**
